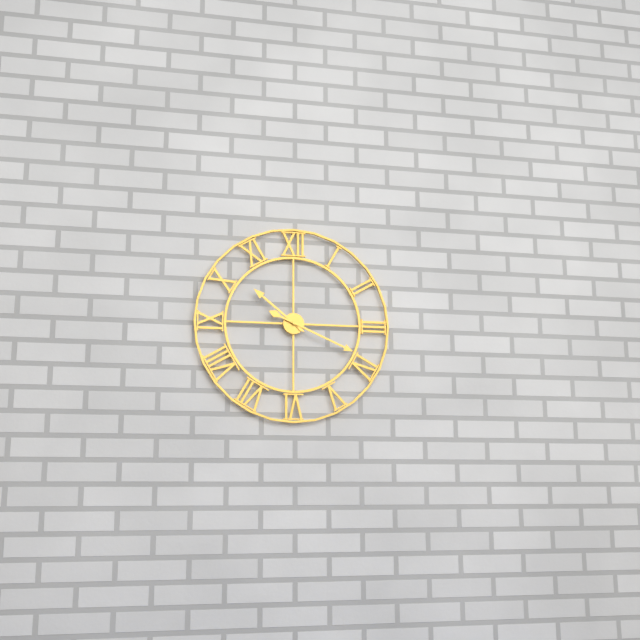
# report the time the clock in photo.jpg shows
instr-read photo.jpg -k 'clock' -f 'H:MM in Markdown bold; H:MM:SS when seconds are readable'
**10:19**
